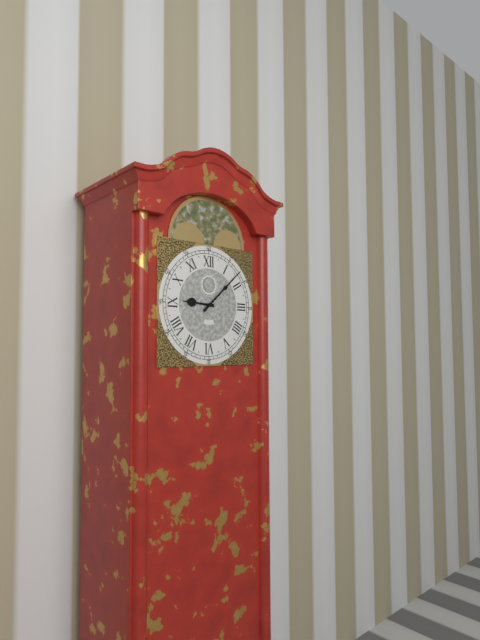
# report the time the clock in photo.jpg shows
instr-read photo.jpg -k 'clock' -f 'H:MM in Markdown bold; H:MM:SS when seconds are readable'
**9:08**
